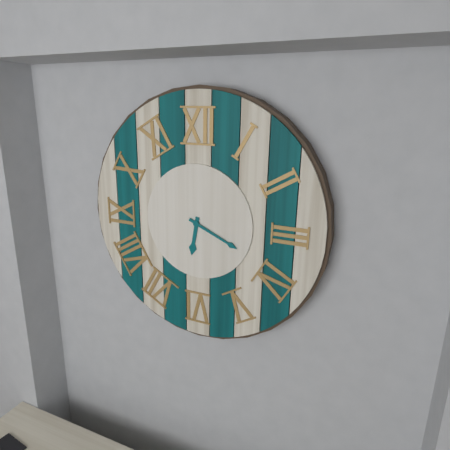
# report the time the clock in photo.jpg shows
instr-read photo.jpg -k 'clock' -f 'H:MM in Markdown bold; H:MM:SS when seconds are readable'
**6:19**
